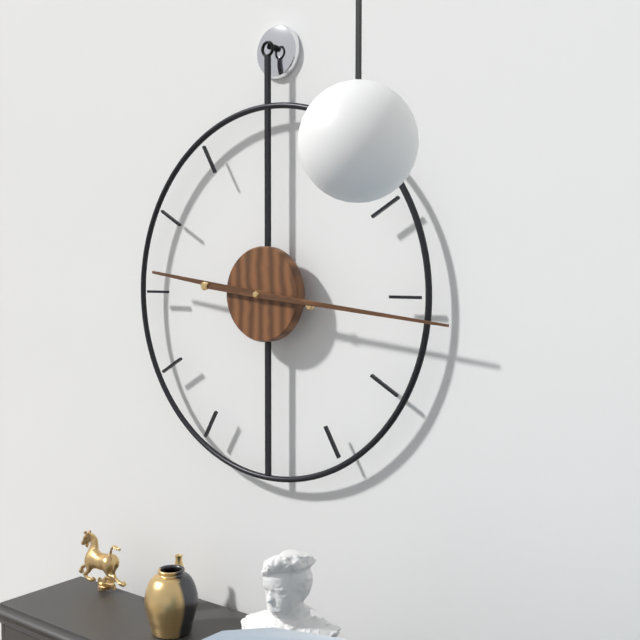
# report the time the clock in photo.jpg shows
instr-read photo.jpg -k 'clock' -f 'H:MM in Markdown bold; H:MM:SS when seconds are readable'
**9:16**
